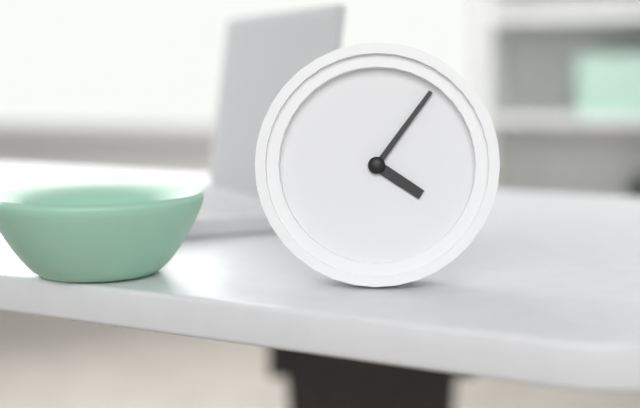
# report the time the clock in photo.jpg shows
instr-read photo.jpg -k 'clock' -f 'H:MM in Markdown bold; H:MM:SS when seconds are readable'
**4:06**
